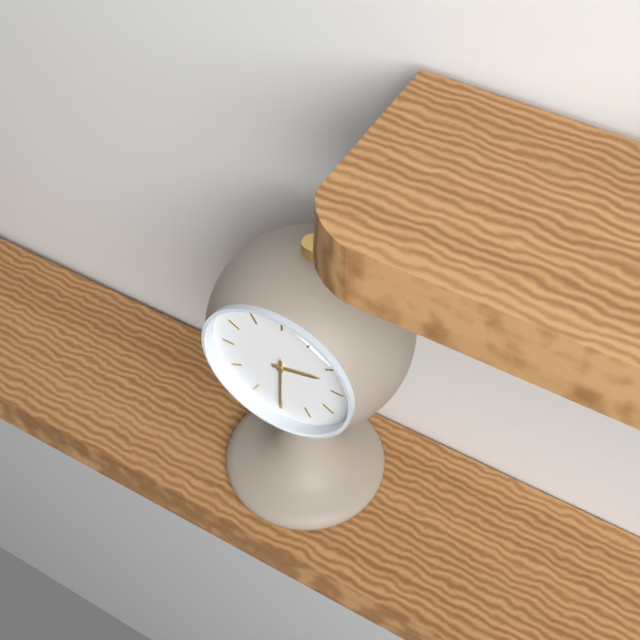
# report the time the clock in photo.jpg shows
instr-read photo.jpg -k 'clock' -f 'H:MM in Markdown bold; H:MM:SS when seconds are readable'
**2:30**
